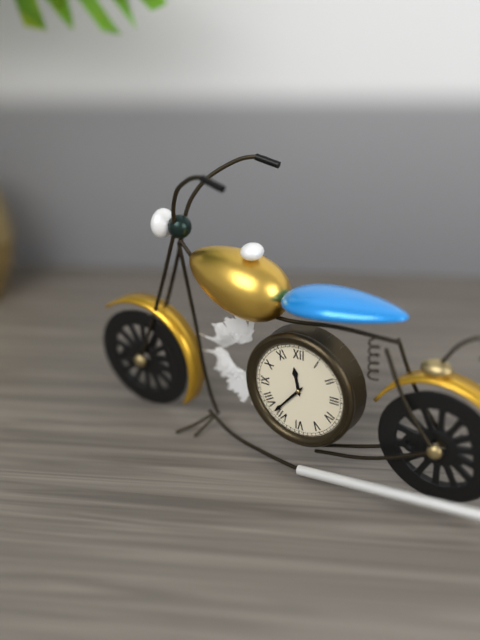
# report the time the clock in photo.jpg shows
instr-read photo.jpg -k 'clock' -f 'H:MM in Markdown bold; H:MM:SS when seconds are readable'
**11:37**
